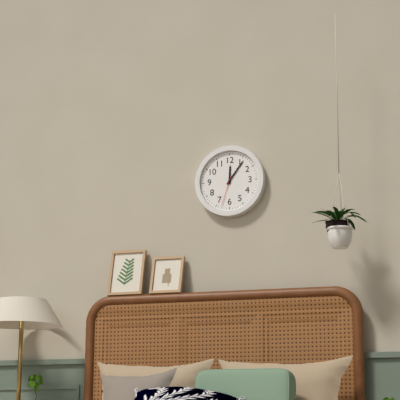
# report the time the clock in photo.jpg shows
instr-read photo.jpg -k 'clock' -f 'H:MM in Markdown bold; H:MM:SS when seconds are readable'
**12:06**
